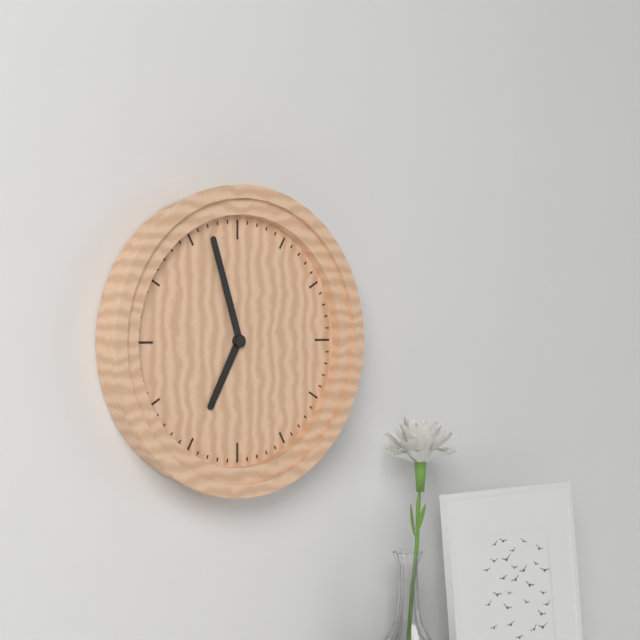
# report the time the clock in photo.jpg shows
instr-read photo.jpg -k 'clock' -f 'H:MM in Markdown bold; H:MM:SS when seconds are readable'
**6:57**
